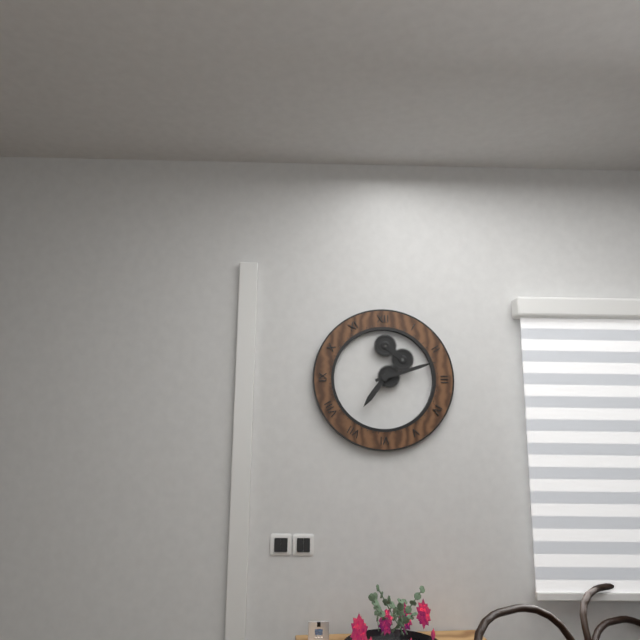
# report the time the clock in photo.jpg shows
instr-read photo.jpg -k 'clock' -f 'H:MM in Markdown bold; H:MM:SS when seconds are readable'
**7:12**
